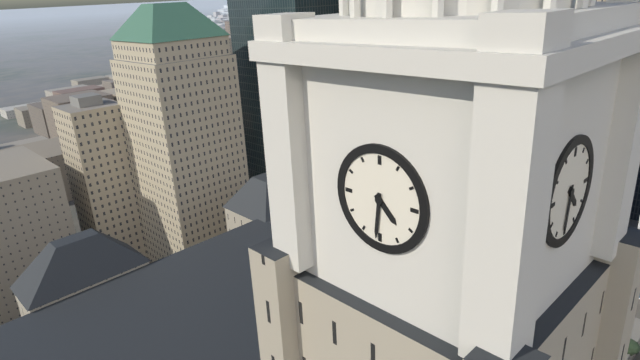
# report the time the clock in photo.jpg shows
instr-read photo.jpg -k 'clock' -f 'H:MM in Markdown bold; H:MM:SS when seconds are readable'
**4:31**
